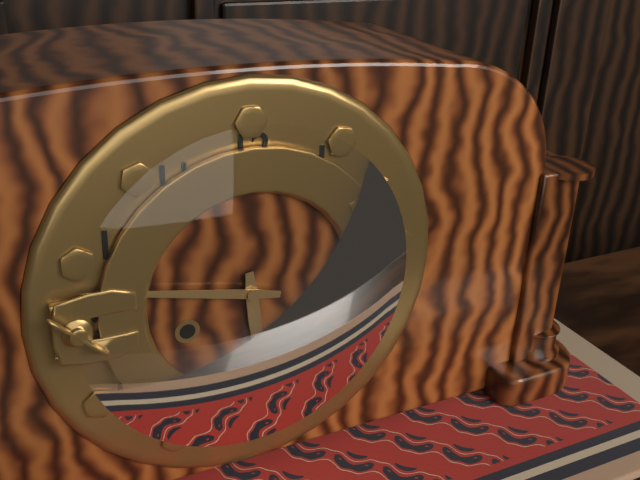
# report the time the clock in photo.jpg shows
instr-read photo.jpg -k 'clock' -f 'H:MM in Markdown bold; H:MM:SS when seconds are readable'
**5:47**
